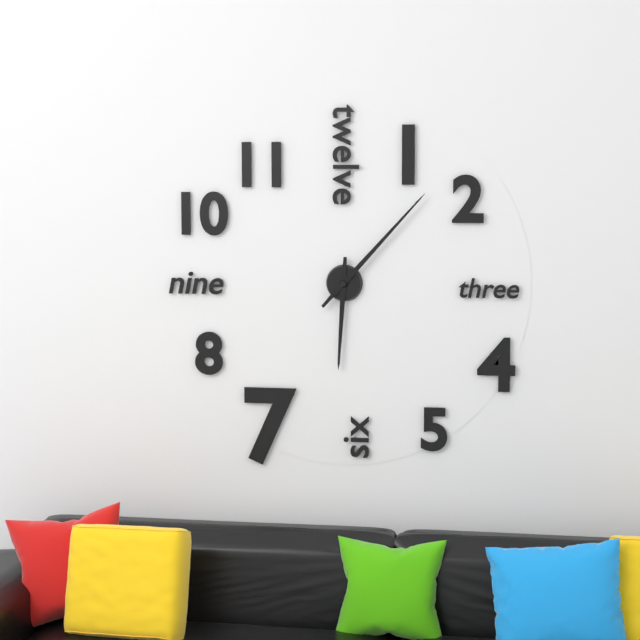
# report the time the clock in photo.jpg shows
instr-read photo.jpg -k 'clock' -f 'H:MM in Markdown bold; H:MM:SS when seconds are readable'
**6:07**
